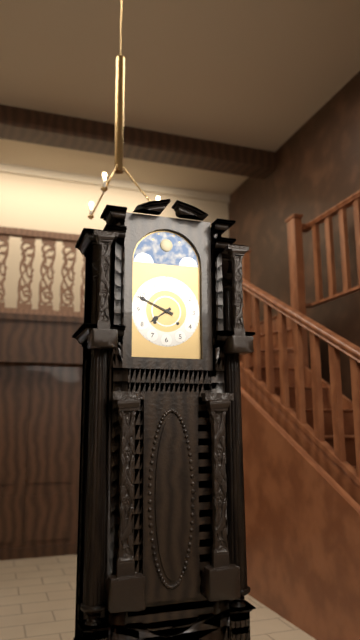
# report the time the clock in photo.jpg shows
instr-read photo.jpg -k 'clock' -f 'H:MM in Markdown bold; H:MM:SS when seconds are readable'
**7:49**
